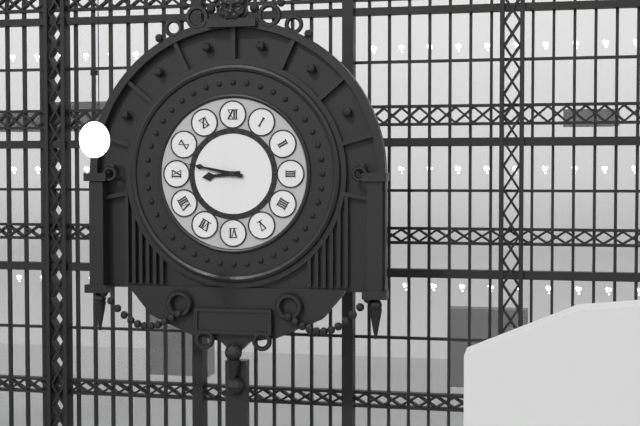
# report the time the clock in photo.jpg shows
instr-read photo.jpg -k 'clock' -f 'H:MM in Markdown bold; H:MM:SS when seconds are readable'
**8:47**
